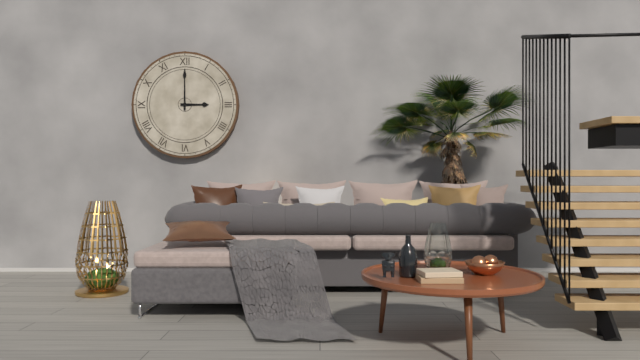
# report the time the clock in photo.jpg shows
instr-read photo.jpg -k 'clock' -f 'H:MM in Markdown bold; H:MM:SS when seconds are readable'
**3:00**
